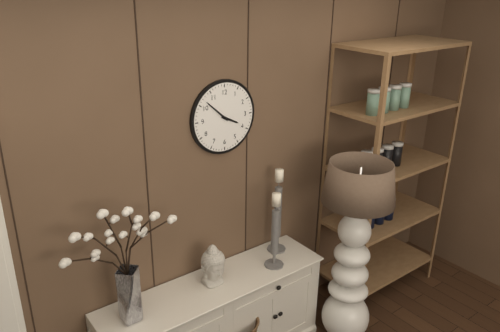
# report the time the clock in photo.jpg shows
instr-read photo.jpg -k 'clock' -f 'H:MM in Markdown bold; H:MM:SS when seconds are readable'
**3:52**
